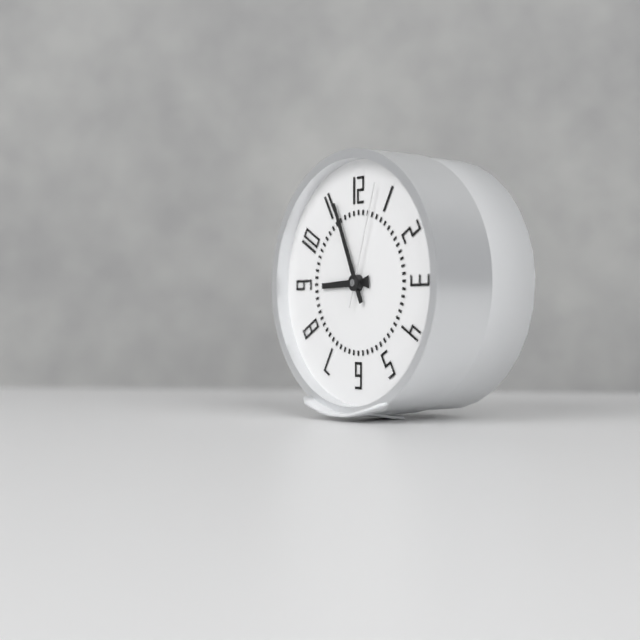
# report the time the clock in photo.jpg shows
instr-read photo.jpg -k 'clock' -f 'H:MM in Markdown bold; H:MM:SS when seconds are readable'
**8:56:03**
